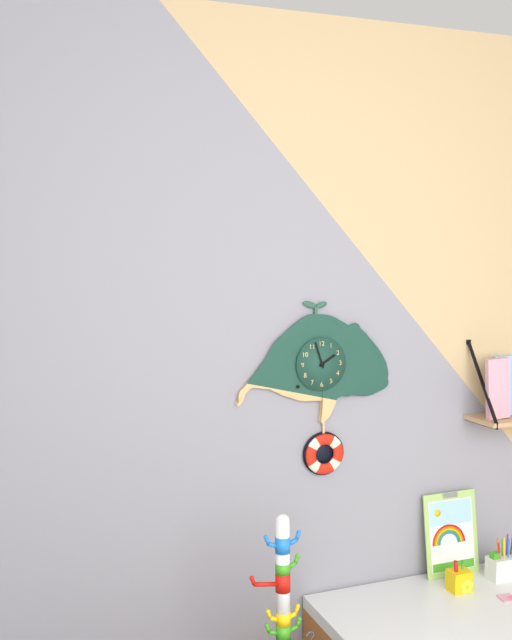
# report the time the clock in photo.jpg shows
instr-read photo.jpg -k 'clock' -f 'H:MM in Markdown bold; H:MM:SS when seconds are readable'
**1:57**
